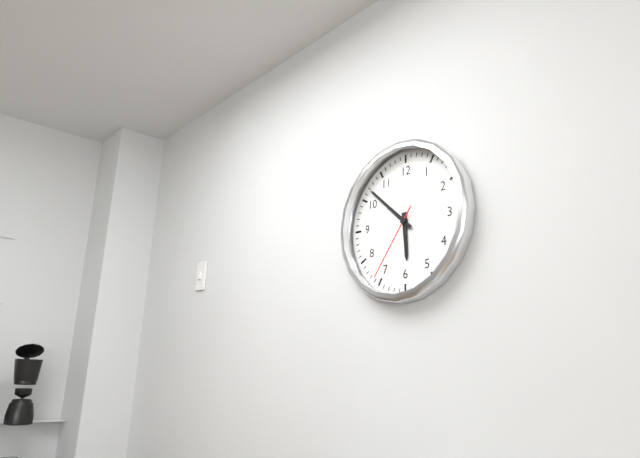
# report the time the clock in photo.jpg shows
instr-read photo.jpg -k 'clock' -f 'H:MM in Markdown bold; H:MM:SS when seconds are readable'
**5:52:36**
